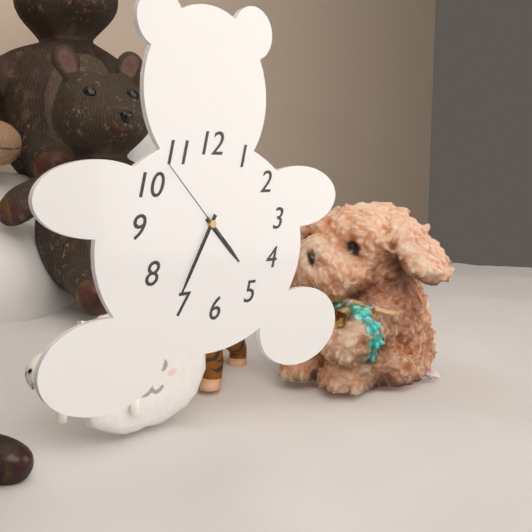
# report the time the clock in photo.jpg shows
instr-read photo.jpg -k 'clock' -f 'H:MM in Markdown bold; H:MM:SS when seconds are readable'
**4:35:53**
